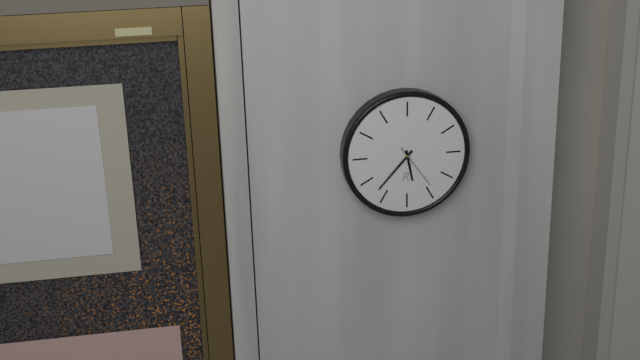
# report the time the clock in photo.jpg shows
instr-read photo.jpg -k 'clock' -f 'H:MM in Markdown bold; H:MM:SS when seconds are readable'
**5:37:24**
